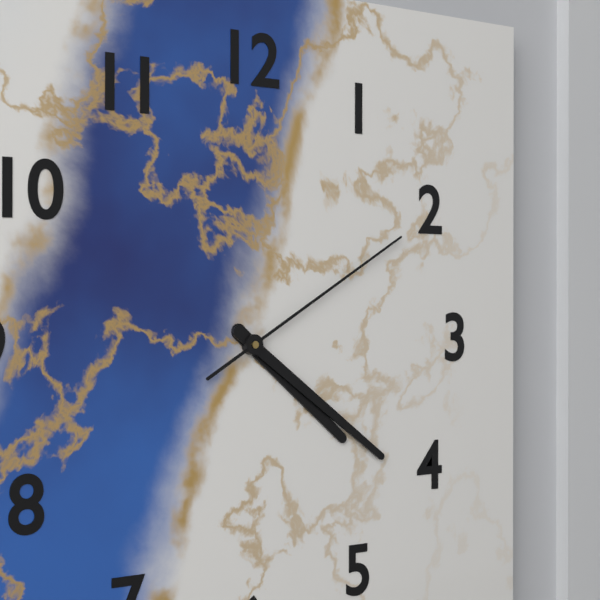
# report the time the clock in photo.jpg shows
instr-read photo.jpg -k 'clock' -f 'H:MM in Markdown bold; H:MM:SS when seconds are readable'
**4:21:10**
